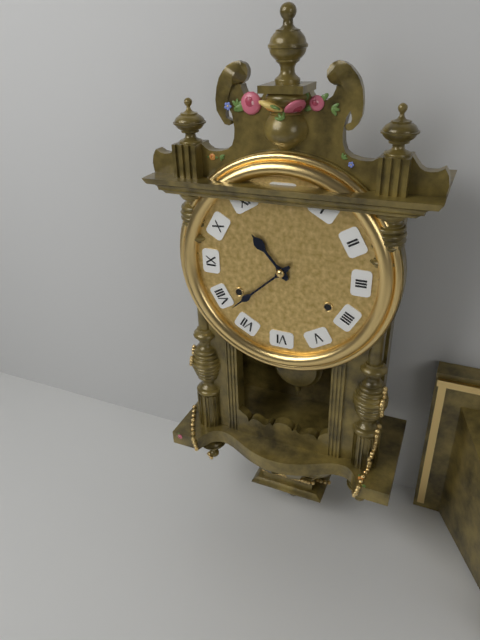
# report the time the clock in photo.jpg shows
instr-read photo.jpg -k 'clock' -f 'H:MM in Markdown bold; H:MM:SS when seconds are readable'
**10:38**
